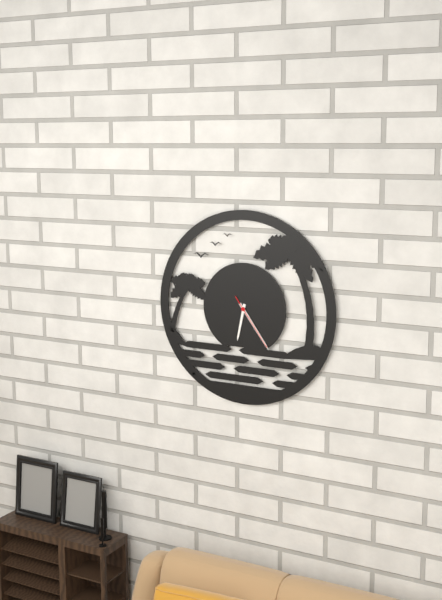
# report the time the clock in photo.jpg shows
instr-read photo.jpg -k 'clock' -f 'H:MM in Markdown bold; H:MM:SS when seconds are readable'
**6:24:24**
